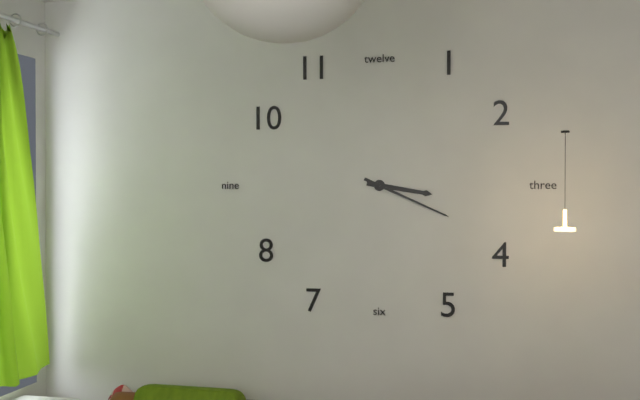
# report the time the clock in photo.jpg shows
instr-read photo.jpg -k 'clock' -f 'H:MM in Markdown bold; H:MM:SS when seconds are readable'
**3:19**
